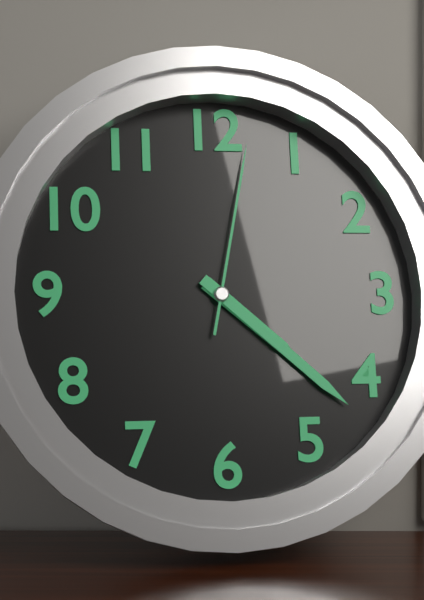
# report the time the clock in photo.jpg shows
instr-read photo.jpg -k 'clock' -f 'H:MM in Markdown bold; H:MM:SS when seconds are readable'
**4:22:02**
